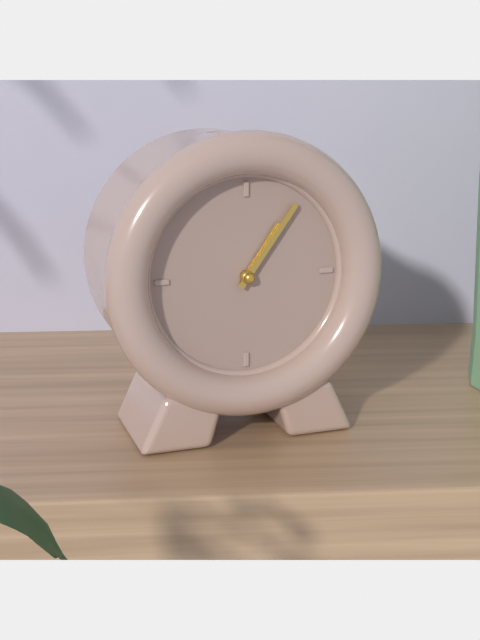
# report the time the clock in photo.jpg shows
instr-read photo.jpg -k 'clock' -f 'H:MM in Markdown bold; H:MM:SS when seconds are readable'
**1:06**
